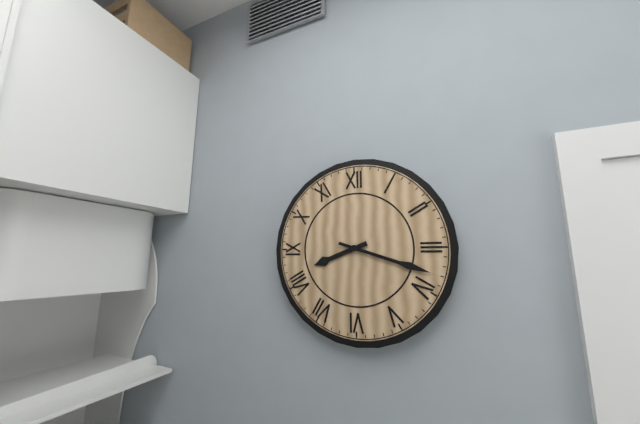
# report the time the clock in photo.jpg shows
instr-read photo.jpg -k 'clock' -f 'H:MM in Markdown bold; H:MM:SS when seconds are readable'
**8:18**
